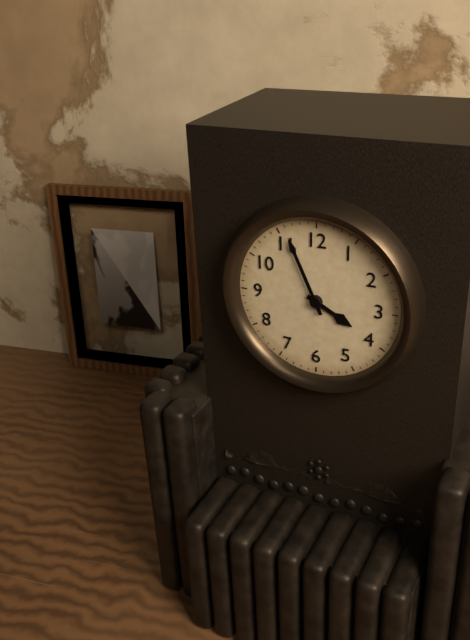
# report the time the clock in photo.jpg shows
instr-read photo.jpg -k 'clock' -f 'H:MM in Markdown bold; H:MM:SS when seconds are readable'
**3:56**
